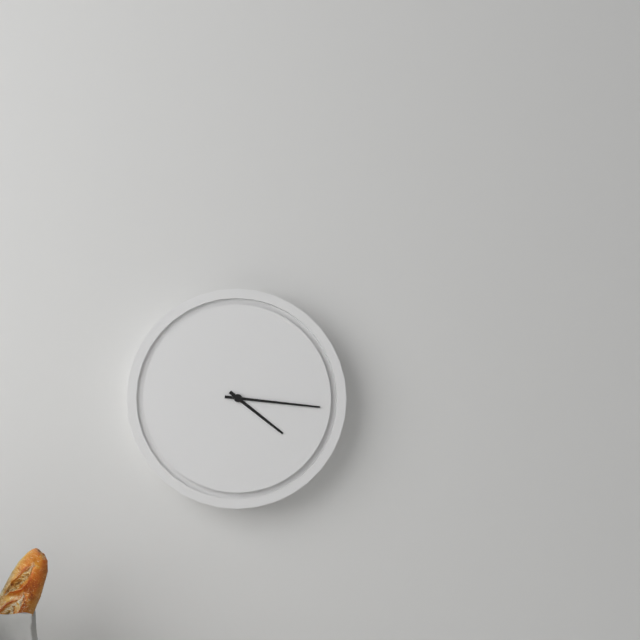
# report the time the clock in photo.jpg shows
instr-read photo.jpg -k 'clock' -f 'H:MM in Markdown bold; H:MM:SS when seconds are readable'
**4:16**
